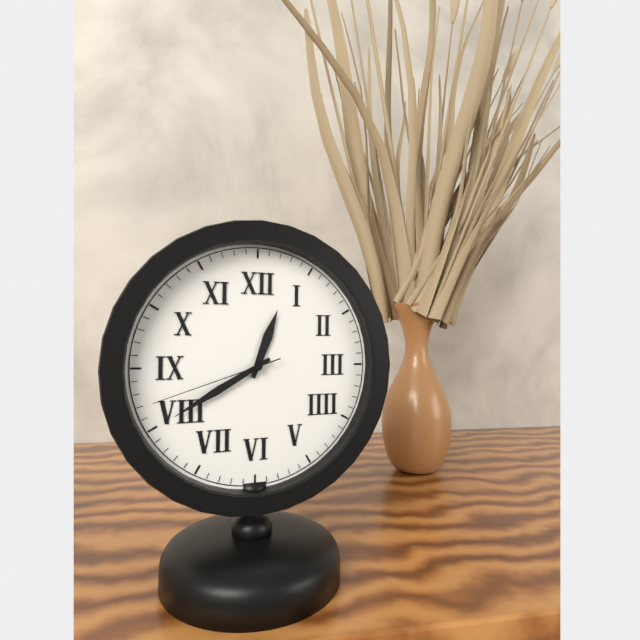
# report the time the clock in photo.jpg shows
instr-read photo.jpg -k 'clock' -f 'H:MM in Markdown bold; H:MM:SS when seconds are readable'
**12:40:42**
